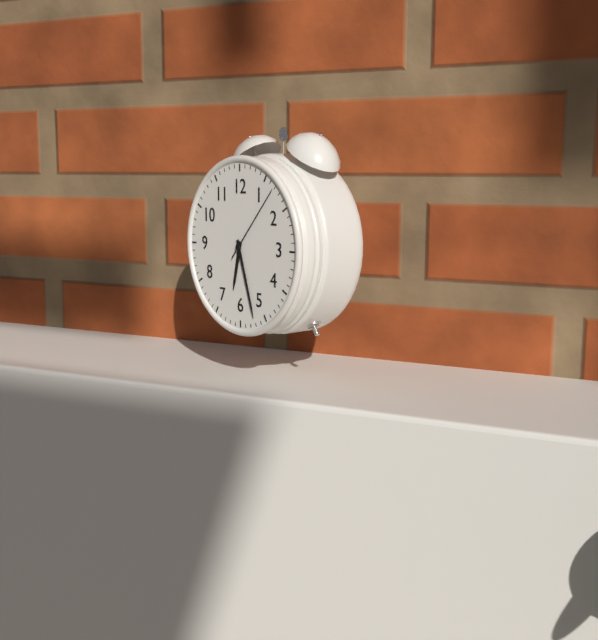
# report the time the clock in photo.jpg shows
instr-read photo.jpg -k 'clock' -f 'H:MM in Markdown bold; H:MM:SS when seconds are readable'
**6:27:07**
